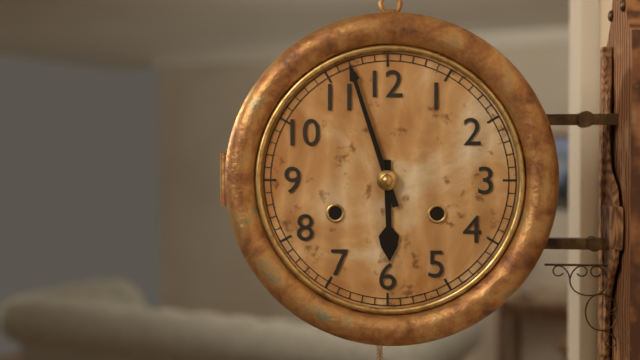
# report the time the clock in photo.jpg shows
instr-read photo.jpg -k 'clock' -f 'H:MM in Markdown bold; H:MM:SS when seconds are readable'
**5:57**
